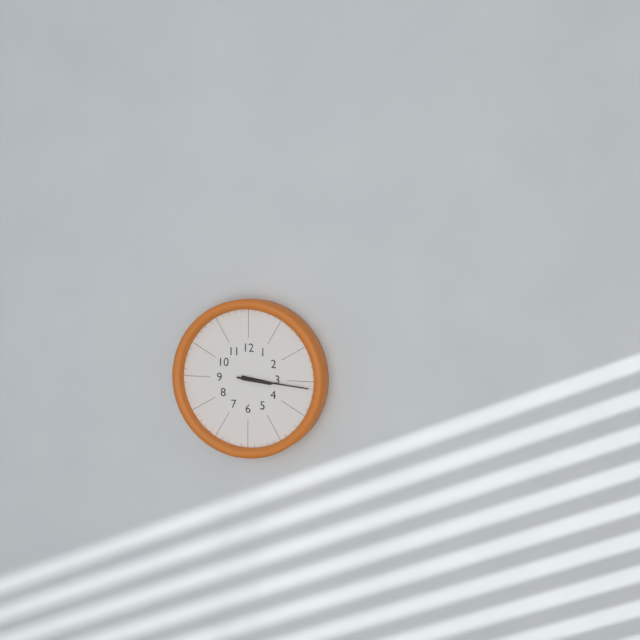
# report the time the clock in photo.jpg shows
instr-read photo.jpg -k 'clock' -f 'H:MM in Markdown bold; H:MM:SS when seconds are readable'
**3:16**
